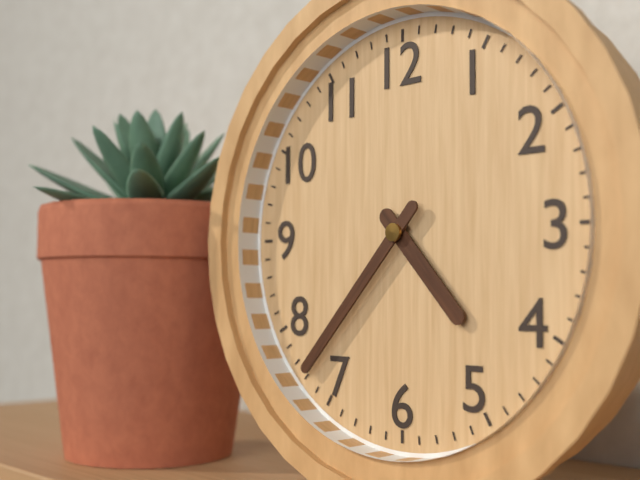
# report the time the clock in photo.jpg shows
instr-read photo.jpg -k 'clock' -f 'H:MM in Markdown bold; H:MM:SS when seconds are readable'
**4:37**
